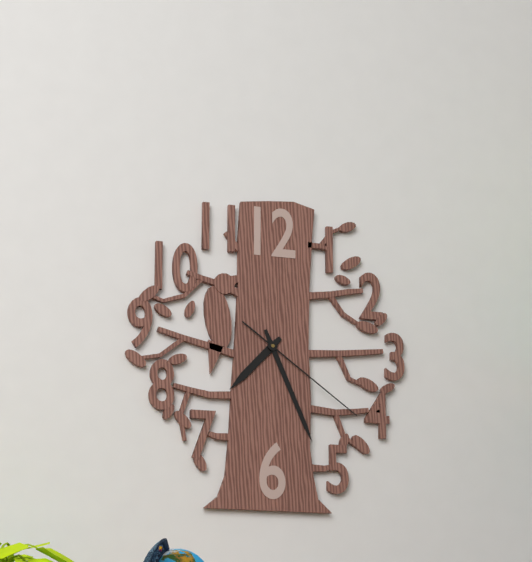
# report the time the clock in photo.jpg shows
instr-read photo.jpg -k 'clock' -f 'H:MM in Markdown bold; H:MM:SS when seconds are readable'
**7:26:21**
